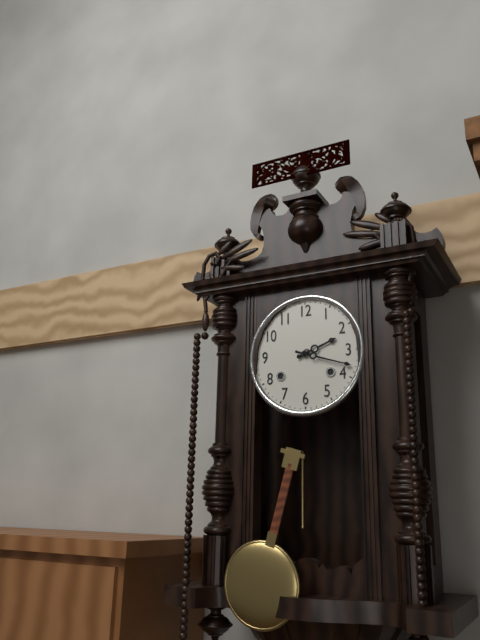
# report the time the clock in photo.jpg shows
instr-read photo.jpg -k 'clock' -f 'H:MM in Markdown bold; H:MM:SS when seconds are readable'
**2:18**
